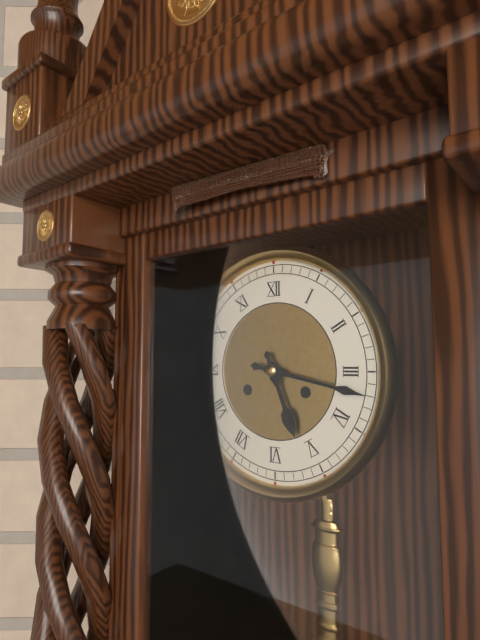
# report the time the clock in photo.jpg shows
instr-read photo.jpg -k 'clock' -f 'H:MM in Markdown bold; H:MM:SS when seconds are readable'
**5:17**
